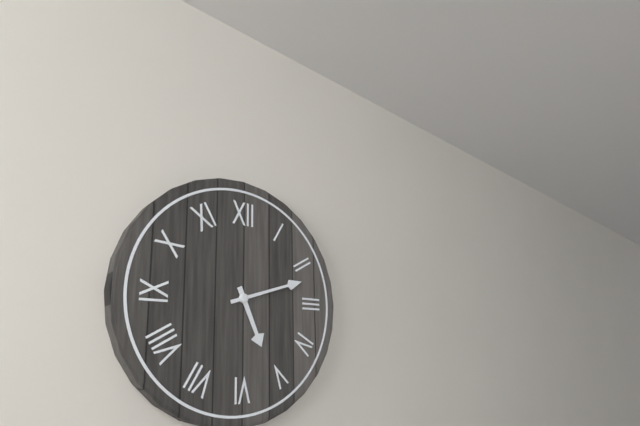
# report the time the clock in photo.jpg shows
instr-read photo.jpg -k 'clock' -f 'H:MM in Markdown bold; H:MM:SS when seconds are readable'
**5:12**
